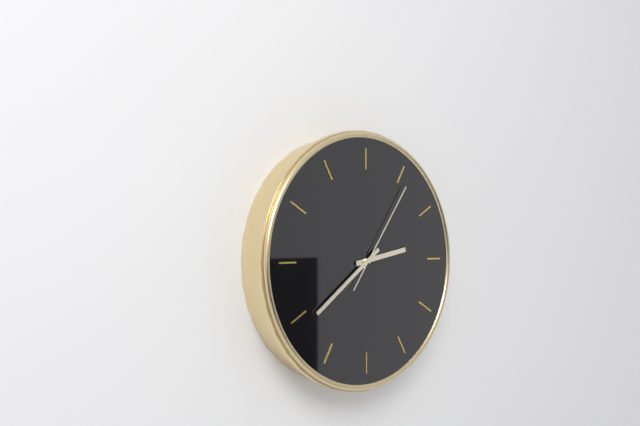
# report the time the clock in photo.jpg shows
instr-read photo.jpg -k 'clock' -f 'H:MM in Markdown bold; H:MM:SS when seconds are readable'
**2:39:06**
